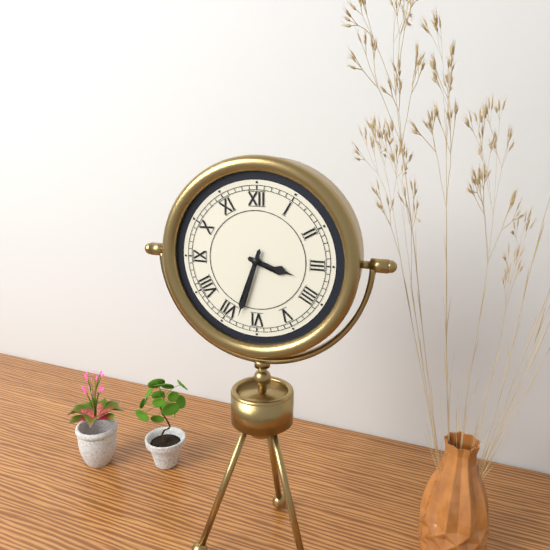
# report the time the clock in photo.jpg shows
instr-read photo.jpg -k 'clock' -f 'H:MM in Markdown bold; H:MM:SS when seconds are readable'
**3:33**
